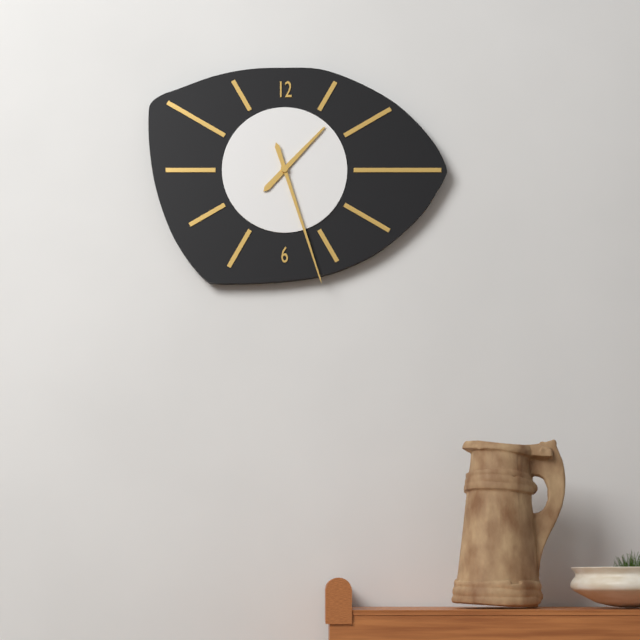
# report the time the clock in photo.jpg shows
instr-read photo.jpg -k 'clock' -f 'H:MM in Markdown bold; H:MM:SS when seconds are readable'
**1:27**
